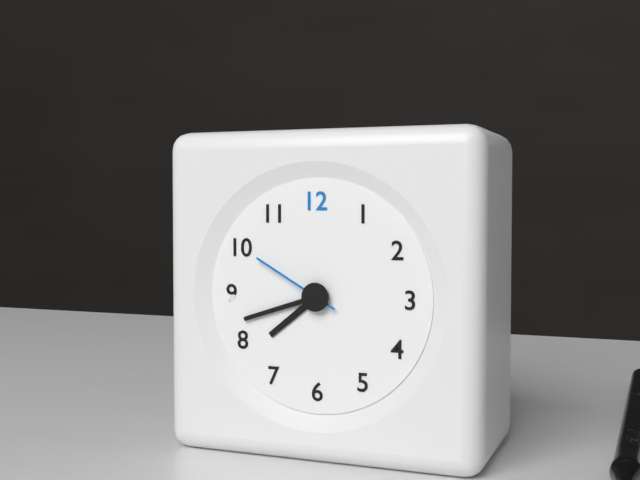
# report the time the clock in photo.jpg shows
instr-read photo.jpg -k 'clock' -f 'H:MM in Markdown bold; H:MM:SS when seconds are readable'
**7:42:50**
